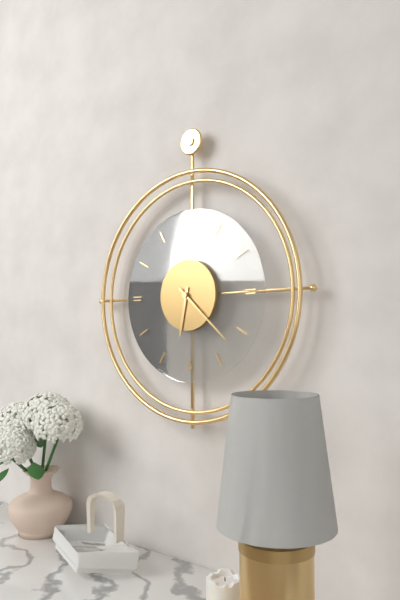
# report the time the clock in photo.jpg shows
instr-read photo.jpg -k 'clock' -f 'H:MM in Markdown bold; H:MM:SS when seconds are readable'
**6:22**
